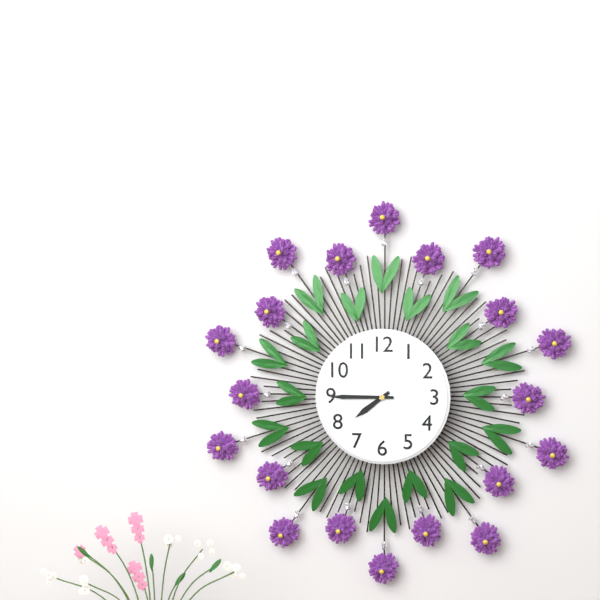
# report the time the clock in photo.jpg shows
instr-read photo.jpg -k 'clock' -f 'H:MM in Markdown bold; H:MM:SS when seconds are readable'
**7:45**
